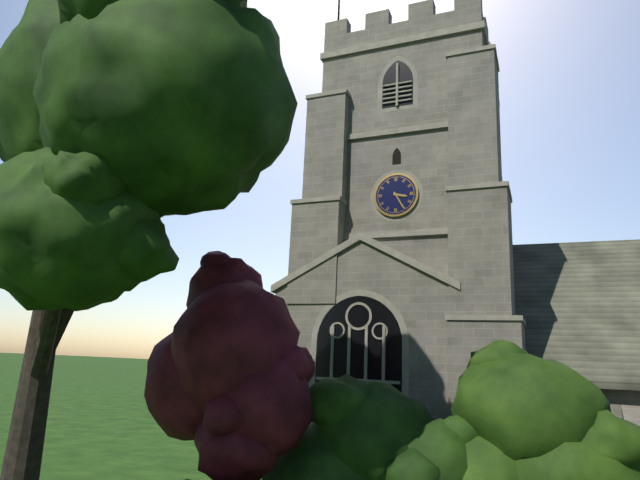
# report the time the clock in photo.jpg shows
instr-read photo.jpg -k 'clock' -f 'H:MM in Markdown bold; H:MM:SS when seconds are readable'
**3:25**
